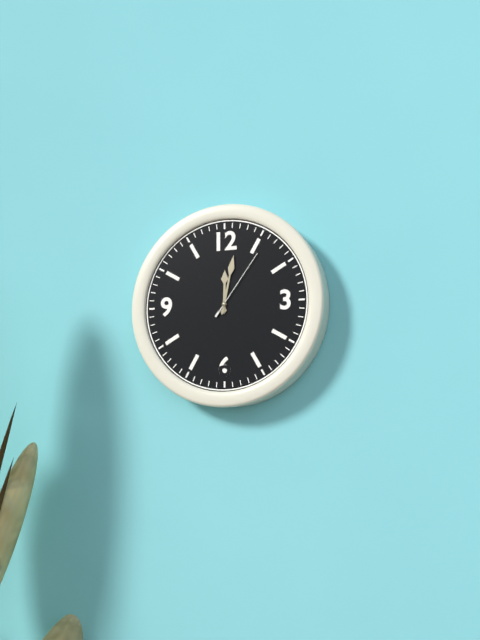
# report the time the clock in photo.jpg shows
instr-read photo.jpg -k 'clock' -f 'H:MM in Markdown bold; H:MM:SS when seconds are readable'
**12:02:06**
